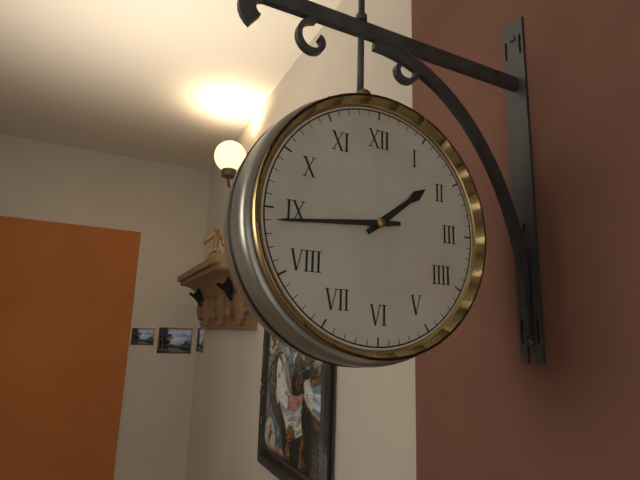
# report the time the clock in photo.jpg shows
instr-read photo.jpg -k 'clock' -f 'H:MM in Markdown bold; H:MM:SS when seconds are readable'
**1:44**
